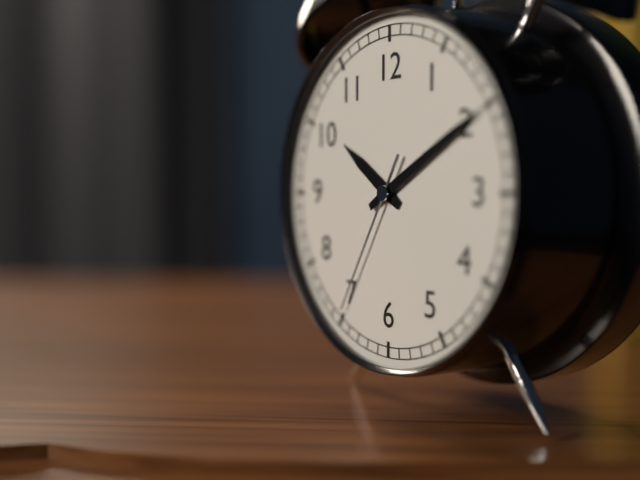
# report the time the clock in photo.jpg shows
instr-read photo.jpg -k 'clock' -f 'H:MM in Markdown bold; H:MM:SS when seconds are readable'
**10:10:35**
